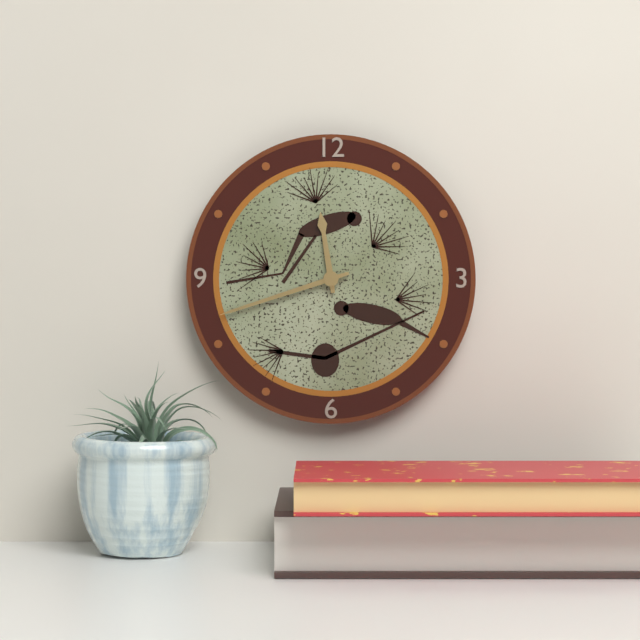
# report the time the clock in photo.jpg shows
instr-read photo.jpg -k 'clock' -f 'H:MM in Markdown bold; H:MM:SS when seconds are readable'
**11:42**
